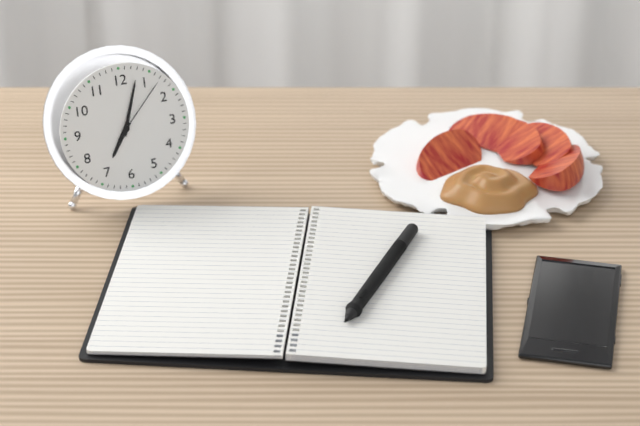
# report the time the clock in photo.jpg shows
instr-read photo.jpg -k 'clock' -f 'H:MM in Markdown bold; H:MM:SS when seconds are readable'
**7:03:07**
